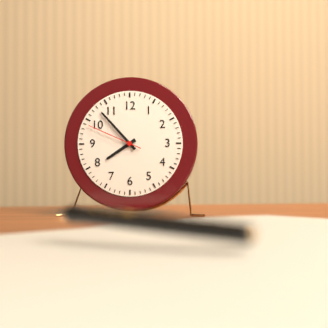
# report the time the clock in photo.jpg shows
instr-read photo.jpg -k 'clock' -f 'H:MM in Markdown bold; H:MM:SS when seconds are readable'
**7:53:49**
